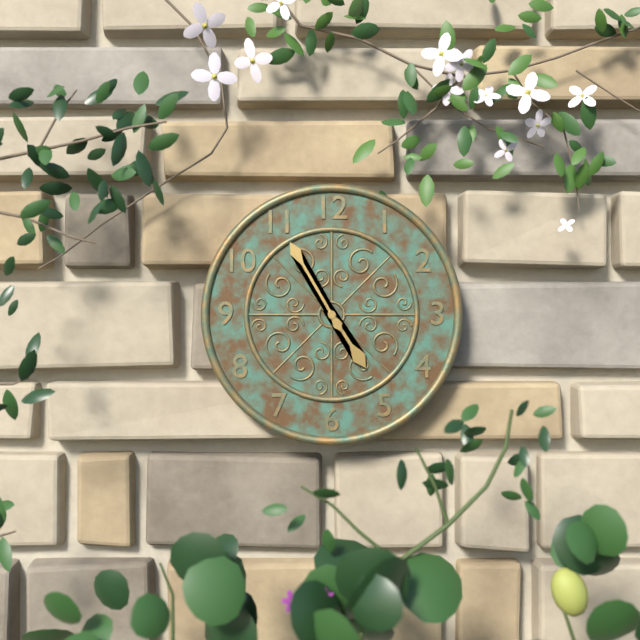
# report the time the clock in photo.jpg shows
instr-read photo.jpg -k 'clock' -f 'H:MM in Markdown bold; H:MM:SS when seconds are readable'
**4:55**
